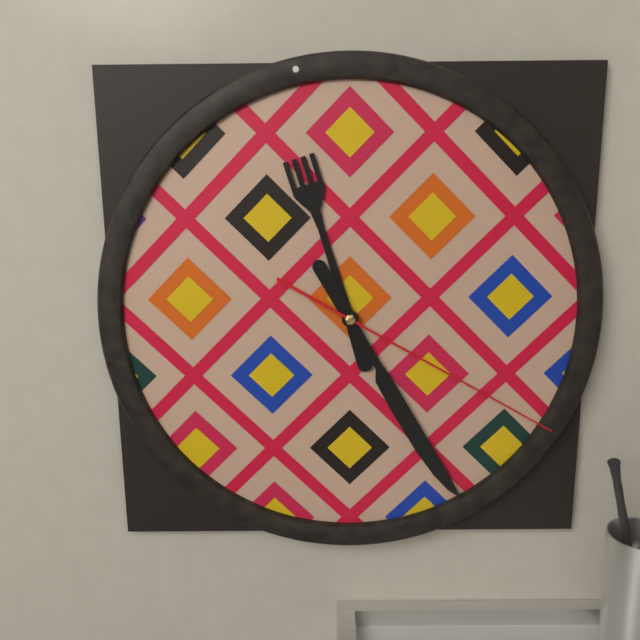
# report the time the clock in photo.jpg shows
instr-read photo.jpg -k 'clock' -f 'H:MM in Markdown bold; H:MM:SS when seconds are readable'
**11:25:20**
